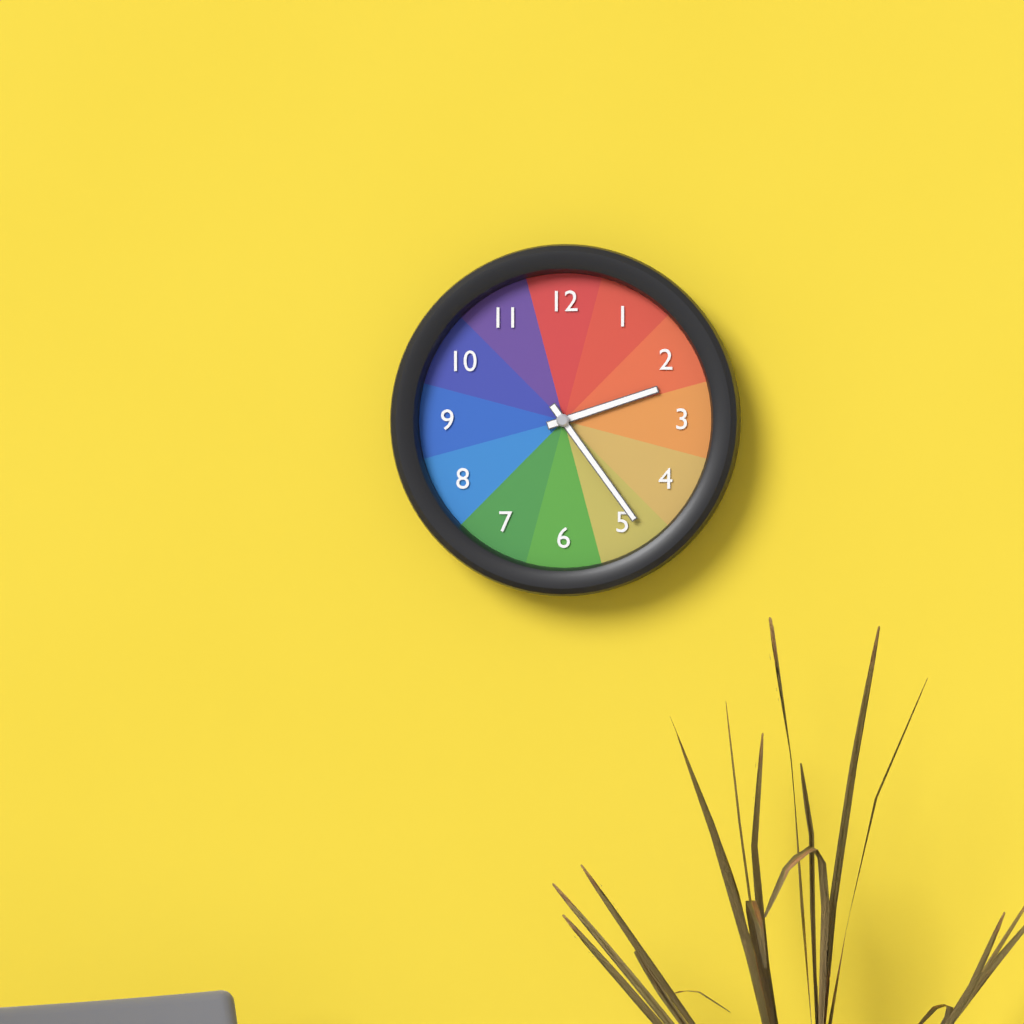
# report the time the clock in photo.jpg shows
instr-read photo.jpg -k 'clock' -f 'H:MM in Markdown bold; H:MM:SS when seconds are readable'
**2:24**
